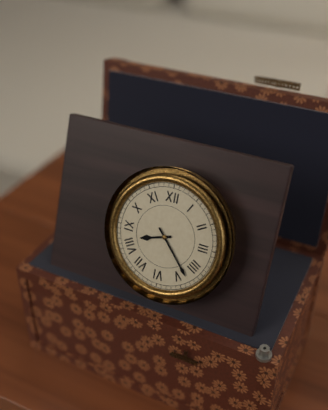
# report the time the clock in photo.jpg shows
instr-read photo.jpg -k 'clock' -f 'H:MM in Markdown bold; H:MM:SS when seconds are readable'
**8:23**
